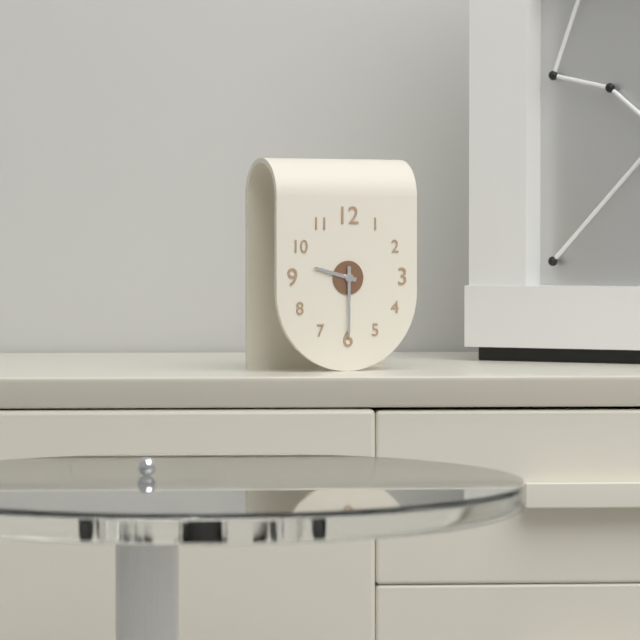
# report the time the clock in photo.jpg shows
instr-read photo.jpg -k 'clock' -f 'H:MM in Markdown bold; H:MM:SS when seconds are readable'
**9:30**
